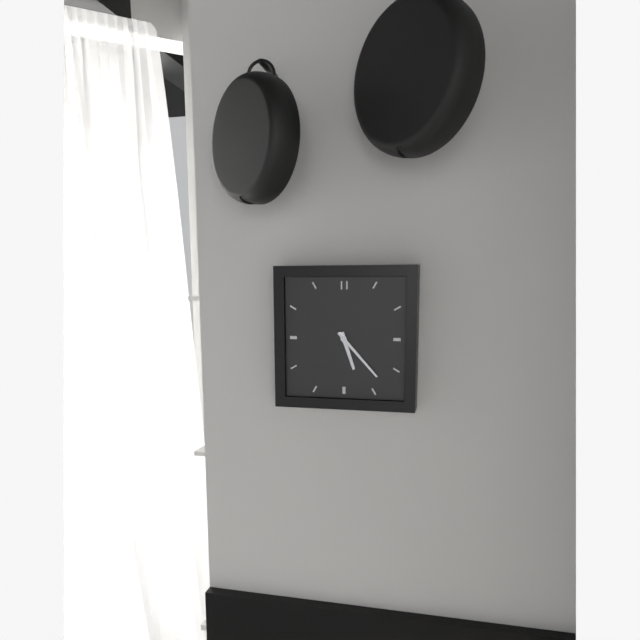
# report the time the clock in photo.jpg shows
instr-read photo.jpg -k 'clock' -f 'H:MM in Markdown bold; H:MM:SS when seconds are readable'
**5:23**
